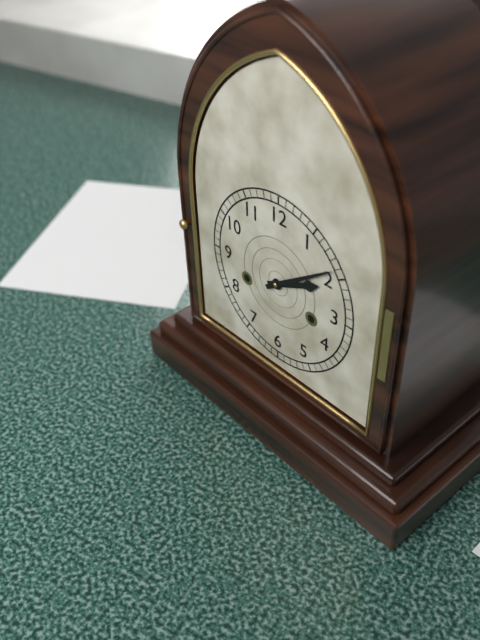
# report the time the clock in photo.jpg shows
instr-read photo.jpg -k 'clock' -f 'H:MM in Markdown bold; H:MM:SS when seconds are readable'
**2:09**
